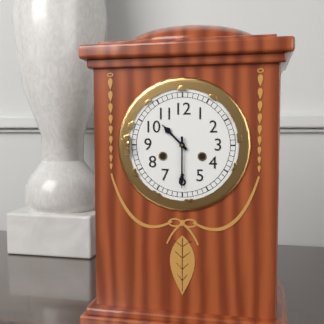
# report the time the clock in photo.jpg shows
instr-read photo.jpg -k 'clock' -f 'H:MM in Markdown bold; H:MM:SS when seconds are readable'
**10:30**
